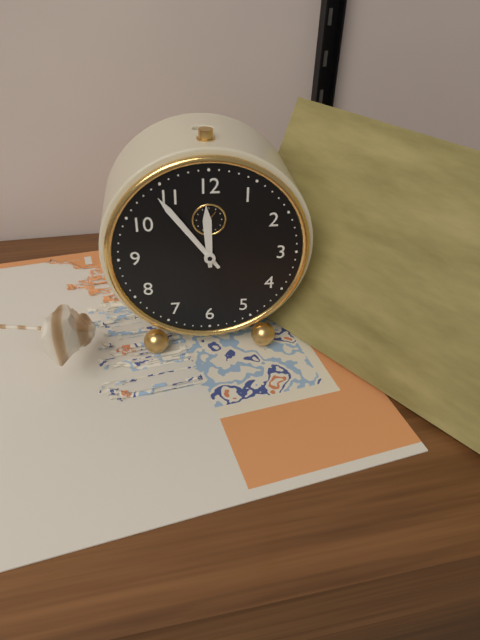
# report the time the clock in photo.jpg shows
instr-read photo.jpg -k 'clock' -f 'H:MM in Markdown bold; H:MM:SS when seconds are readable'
**11:54**
